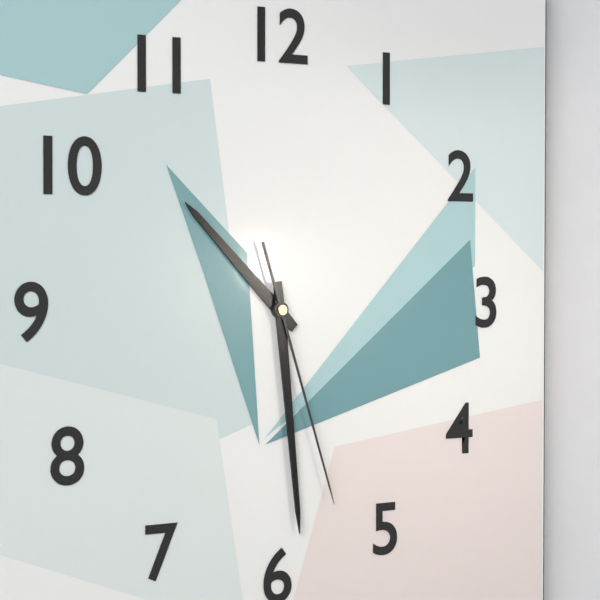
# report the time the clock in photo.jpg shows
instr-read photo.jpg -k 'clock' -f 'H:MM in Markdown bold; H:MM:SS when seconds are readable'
**10:29:27**
